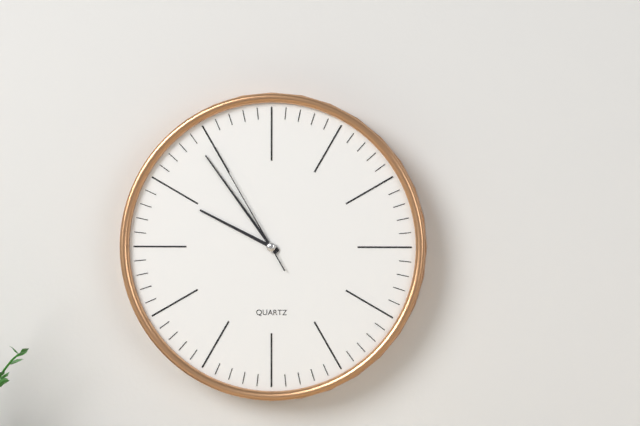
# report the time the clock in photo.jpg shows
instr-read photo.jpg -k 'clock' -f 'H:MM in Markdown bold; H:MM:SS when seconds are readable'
**9:54:55**
